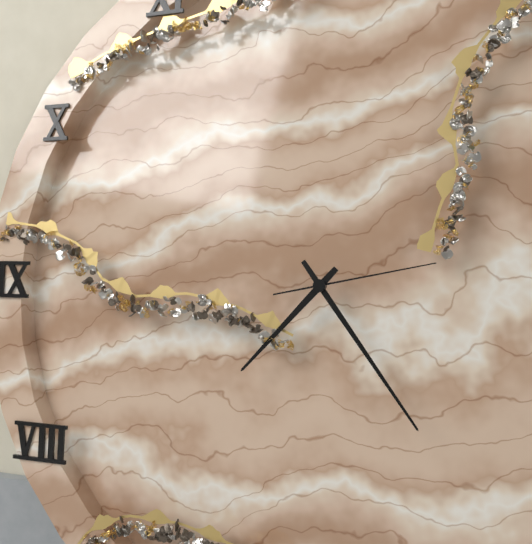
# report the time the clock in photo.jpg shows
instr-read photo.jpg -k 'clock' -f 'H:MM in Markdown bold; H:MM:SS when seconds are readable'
**7:24:13**
